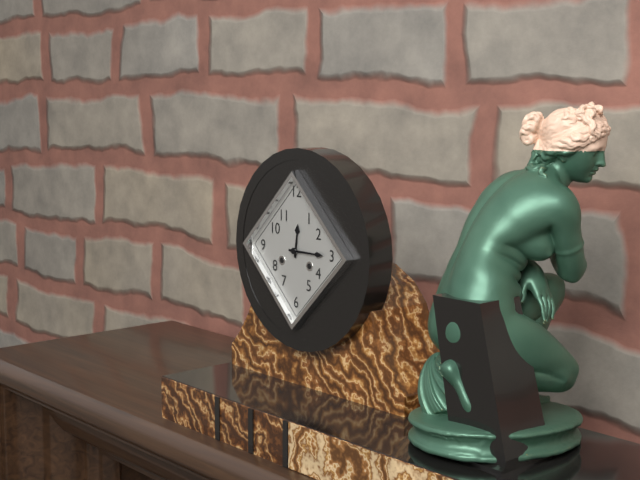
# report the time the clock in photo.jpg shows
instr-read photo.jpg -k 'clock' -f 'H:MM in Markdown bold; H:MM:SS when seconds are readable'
**12:15**
